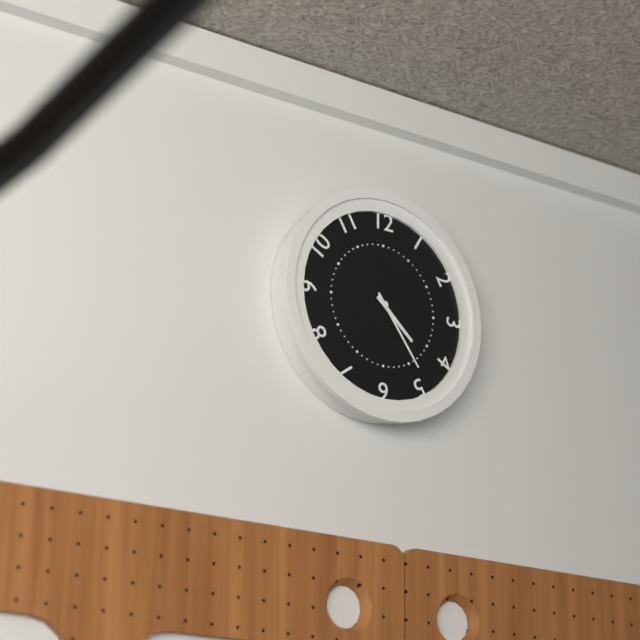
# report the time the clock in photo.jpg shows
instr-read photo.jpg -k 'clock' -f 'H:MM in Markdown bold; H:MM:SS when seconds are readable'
**4:24**
